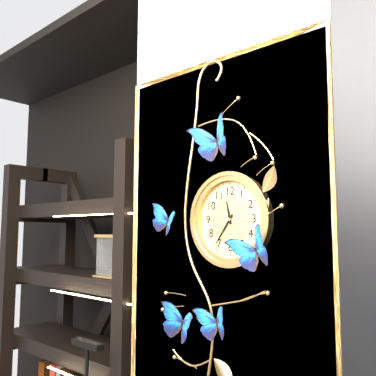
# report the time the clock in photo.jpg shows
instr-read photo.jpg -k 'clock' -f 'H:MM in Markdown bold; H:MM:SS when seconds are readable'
**11:36**
